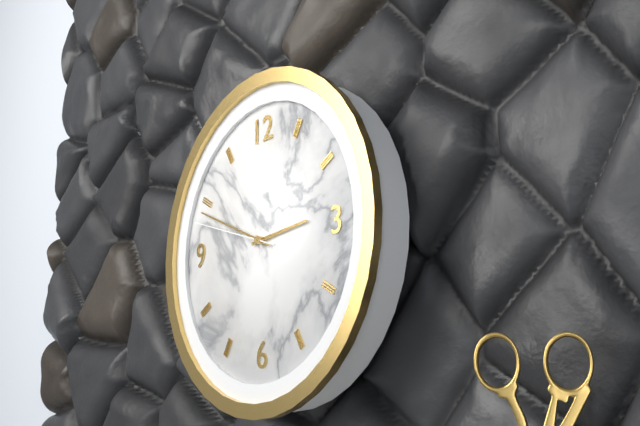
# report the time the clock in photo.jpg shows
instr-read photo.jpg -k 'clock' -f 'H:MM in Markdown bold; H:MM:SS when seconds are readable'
**2:49:48**
